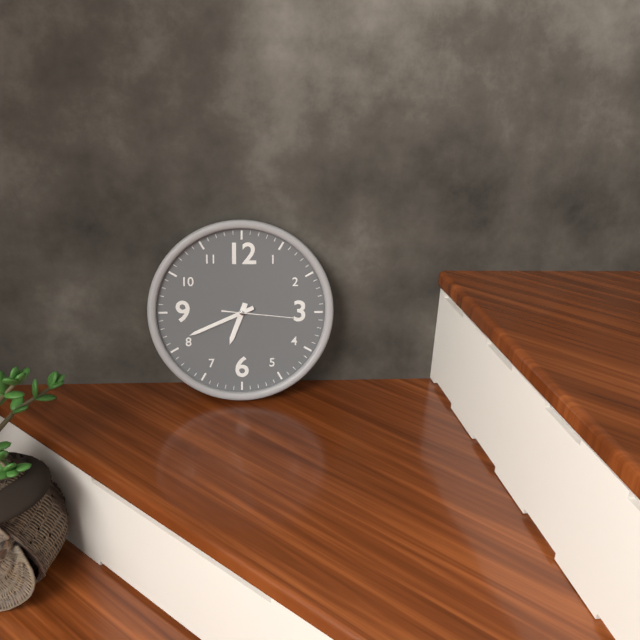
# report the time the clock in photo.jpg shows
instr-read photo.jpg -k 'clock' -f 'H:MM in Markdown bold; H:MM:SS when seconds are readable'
**6:41:16**
